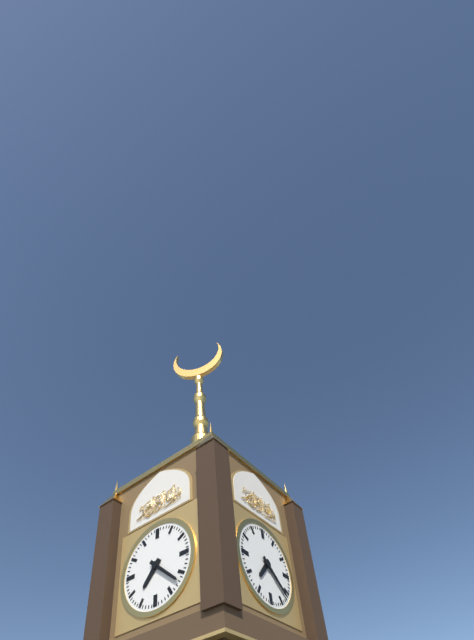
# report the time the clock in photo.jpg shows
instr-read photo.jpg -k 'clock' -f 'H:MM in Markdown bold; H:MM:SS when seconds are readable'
**7:22**
